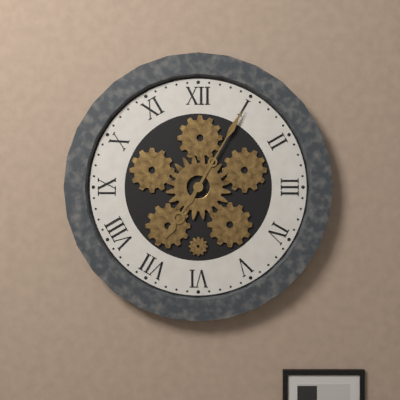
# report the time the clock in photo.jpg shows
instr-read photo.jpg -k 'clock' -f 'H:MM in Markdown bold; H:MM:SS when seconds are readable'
**7:05**
